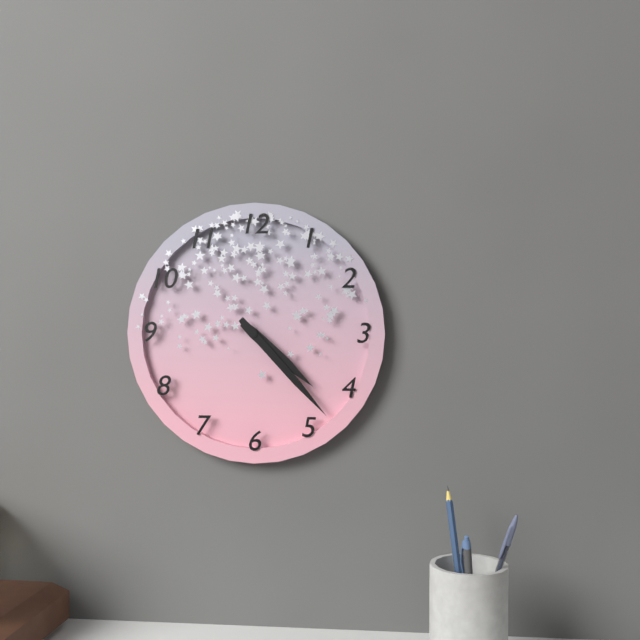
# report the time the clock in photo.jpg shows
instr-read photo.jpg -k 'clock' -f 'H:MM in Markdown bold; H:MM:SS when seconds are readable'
**4:23**
